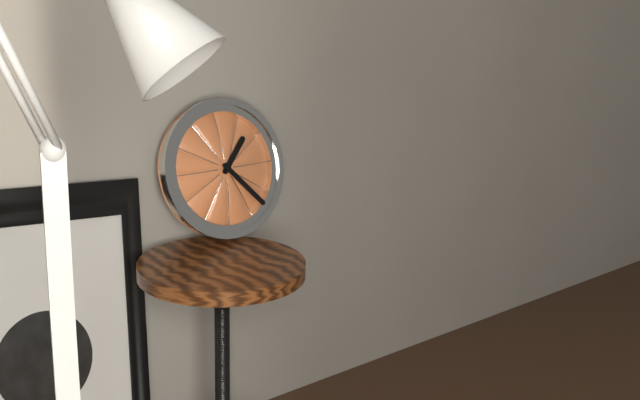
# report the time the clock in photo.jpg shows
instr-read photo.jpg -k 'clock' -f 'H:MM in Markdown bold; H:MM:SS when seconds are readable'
**1:23**
